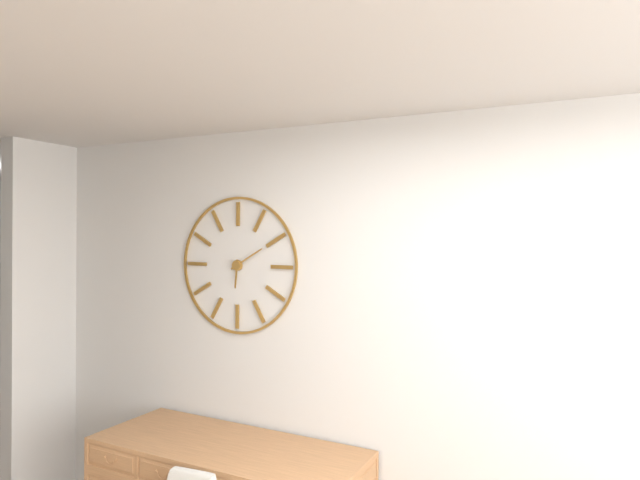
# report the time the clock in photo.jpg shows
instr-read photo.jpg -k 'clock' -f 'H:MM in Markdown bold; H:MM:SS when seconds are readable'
**6:10**
